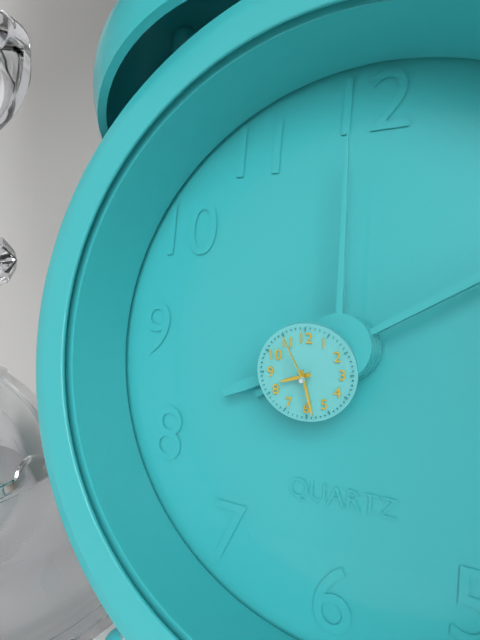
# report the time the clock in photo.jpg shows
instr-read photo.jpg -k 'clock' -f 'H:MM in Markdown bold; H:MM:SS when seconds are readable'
**8:28:56**
